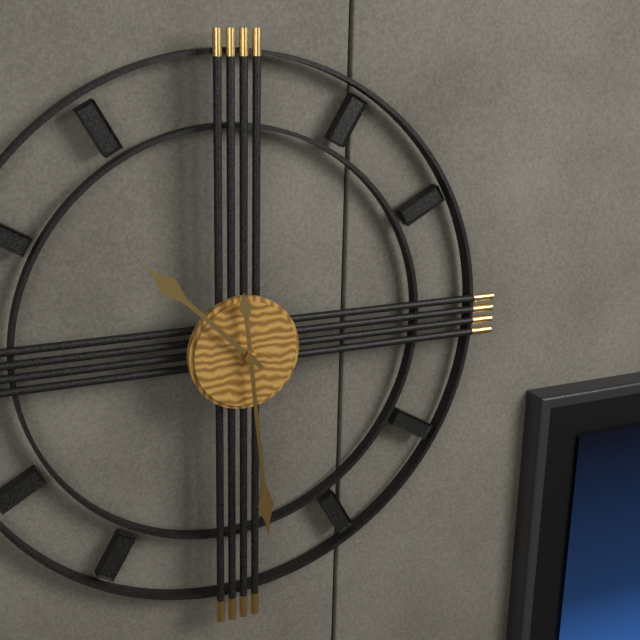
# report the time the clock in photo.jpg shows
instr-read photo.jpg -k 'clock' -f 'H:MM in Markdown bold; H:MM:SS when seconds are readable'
**10:29**
